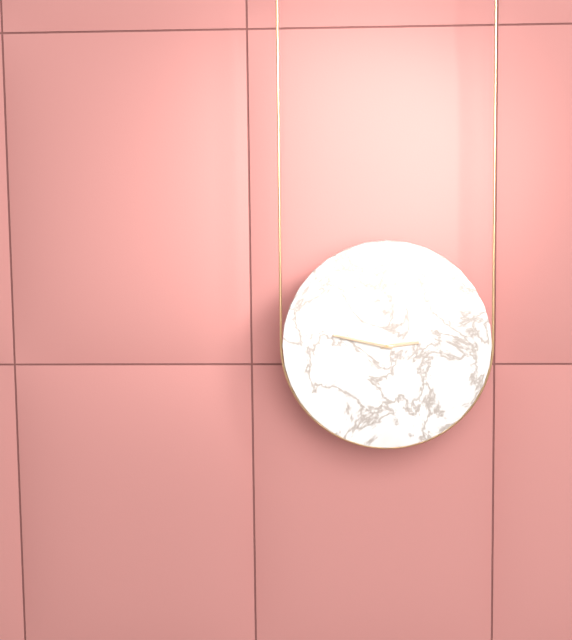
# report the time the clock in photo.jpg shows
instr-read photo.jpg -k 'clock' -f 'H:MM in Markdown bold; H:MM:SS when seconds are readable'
**2:47**
